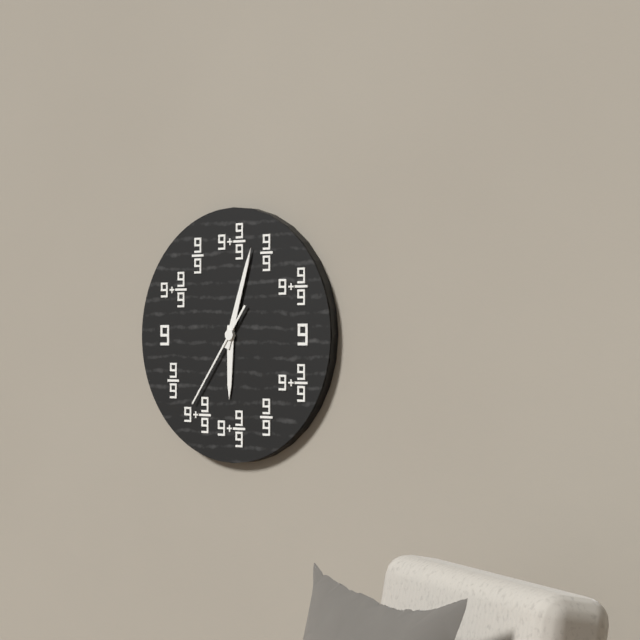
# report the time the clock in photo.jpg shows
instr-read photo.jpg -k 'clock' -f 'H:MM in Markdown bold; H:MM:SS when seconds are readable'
**6:03:36**
